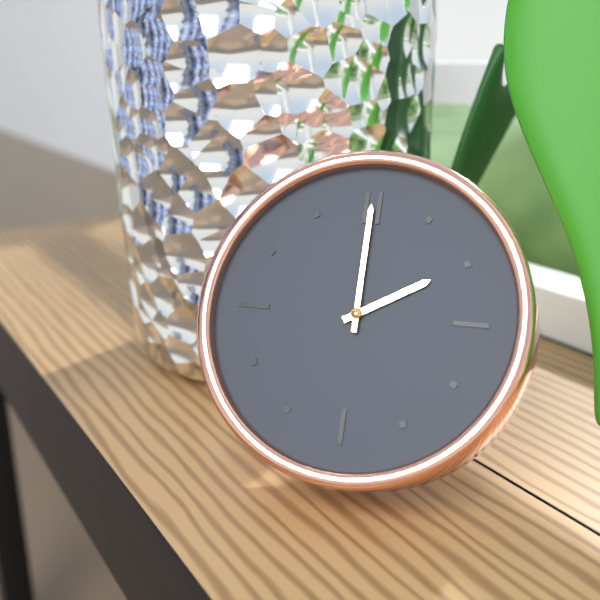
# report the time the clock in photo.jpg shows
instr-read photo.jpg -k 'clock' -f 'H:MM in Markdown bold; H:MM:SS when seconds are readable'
**2:00**
